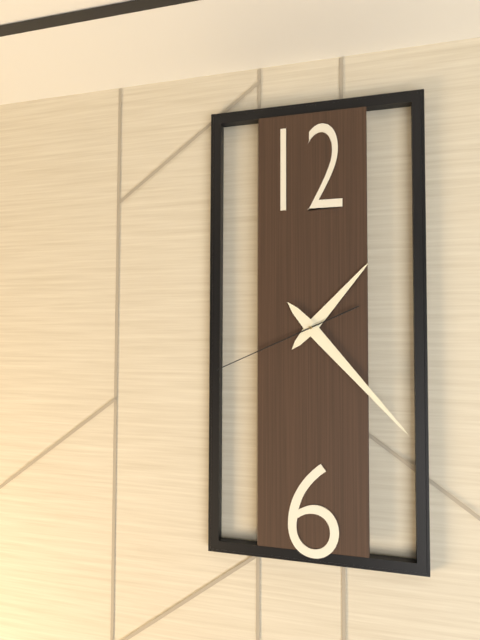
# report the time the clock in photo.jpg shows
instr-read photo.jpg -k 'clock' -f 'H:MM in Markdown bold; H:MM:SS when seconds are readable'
**1:23:41**
